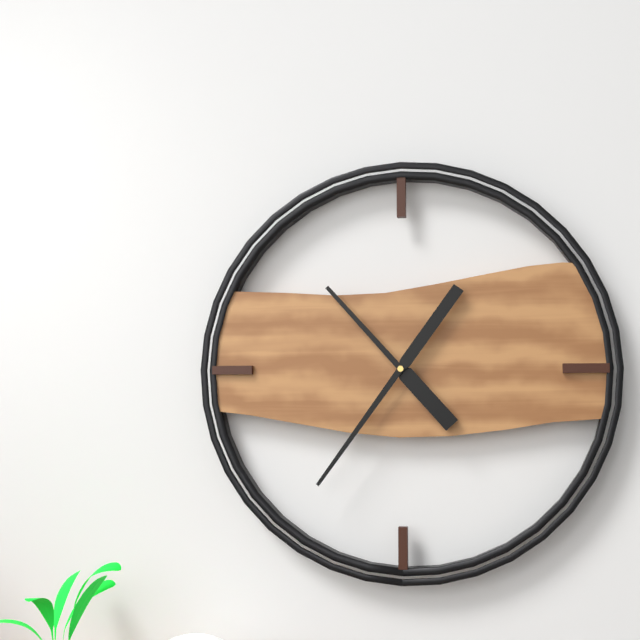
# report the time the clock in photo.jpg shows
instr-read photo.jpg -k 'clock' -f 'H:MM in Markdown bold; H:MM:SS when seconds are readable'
**10:36**
